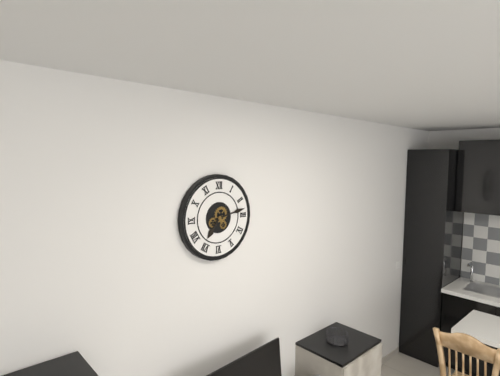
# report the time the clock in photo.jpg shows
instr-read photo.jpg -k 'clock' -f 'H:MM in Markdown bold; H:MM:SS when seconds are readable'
**7:13**
